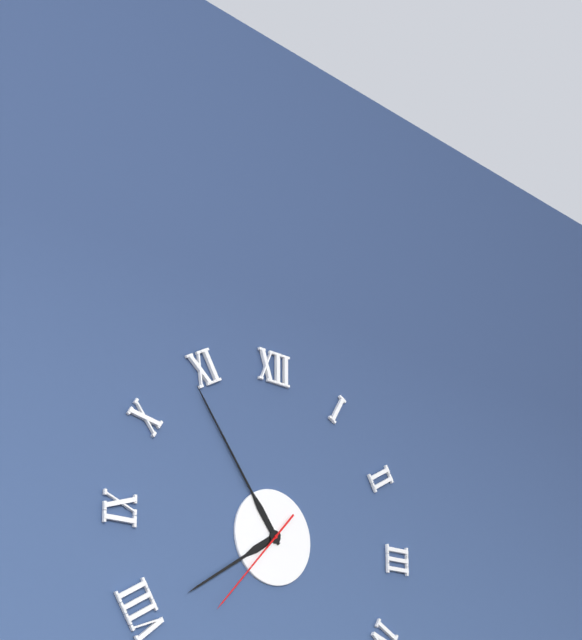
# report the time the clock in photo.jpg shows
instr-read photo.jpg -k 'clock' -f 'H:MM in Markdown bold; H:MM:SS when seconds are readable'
**7:54:37**
